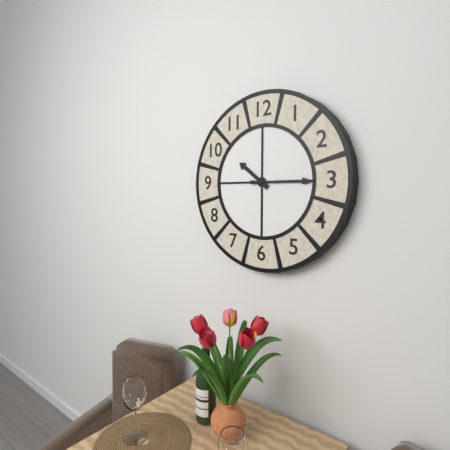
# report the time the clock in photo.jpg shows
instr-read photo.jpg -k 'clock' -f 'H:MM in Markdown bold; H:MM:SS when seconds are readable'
**10:15**
